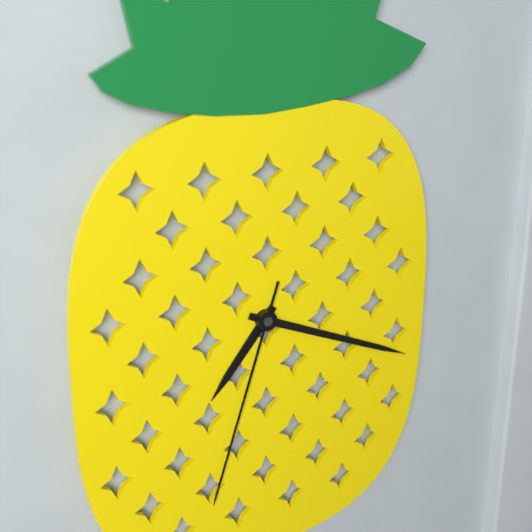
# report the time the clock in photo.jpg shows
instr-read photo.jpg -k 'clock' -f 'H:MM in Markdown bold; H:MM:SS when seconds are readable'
**7:19:33**
